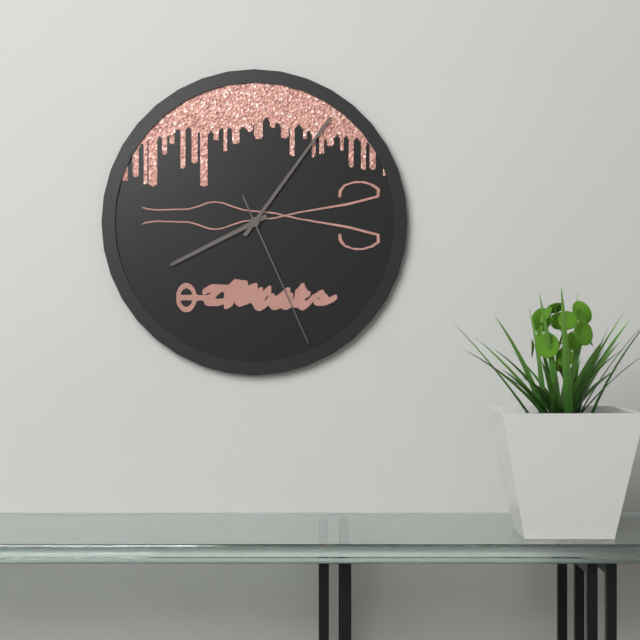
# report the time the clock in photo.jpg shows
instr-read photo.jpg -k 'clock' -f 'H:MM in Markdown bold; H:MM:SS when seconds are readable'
**8:06:26**
